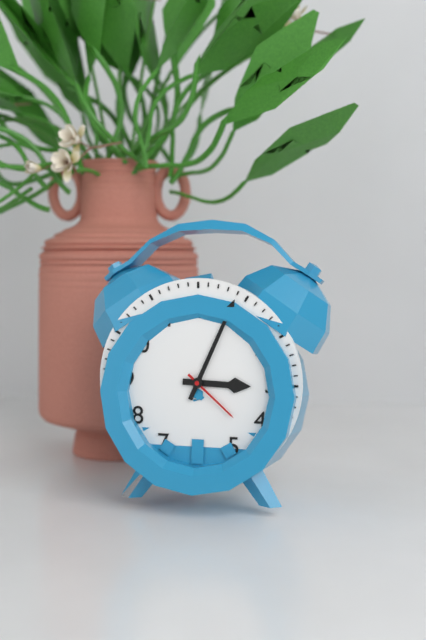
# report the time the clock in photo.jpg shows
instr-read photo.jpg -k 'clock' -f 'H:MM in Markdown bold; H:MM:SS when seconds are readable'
**3:04:22**
